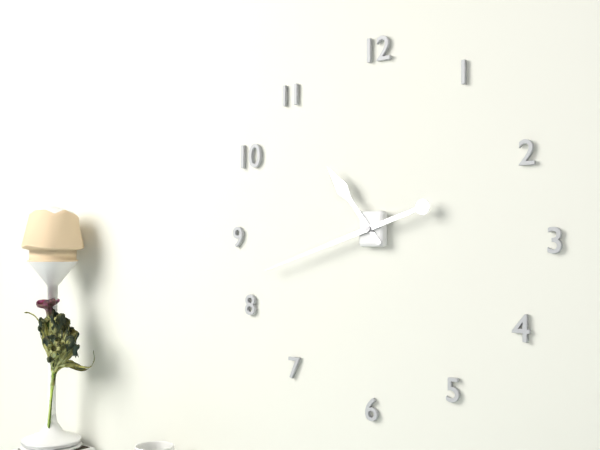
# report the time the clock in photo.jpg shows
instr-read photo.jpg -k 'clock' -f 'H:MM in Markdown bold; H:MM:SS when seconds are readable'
**10:42**
